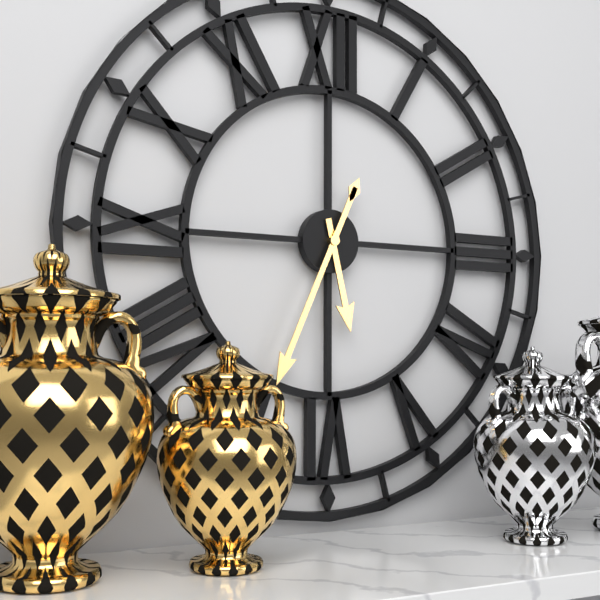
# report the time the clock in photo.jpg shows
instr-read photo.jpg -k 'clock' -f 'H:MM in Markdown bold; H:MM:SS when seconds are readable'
**5:34**
